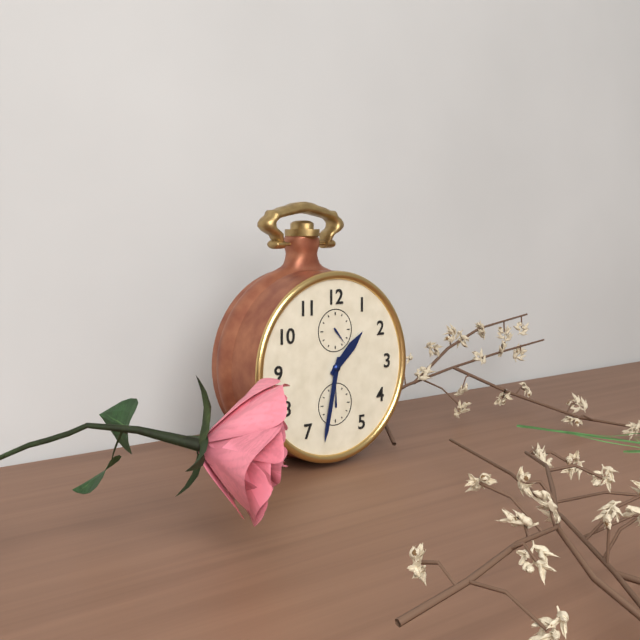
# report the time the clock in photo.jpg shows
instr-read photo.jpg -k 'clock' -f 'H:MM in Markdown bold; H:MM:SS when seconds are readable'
**1:32**
